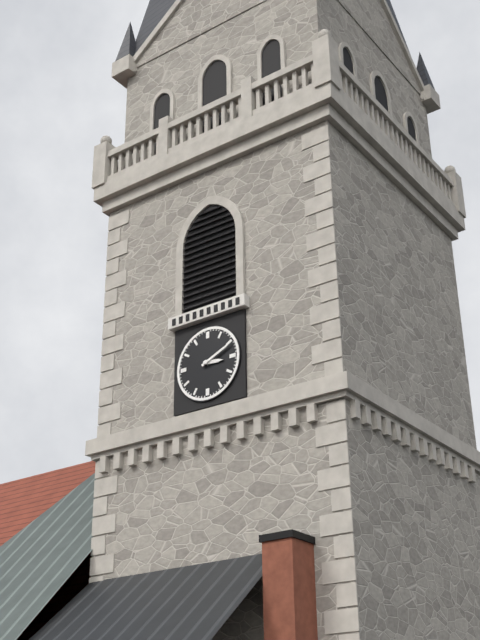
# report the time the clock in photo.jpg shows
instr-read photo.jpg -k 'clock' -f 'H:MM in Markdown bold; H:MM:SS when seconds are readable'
**3:11**
